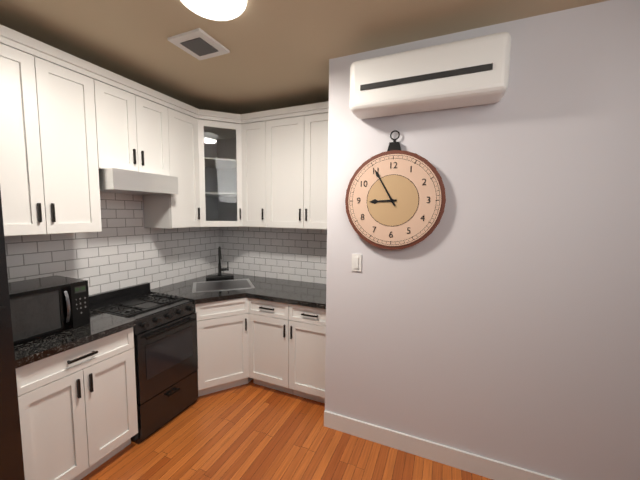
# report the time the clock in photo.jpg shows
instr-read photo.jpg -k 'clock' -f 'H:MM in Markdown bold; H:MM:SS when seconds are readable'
**8:55**
